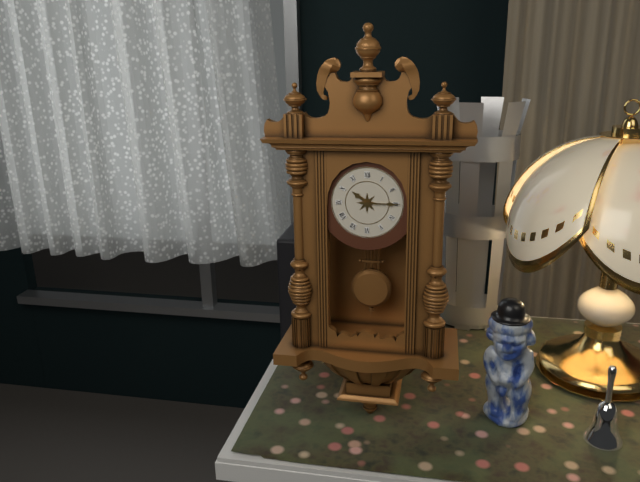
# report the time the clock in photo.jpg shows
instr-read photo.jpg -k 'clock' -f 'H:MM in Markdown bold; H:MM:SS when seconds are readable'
**10:15**
